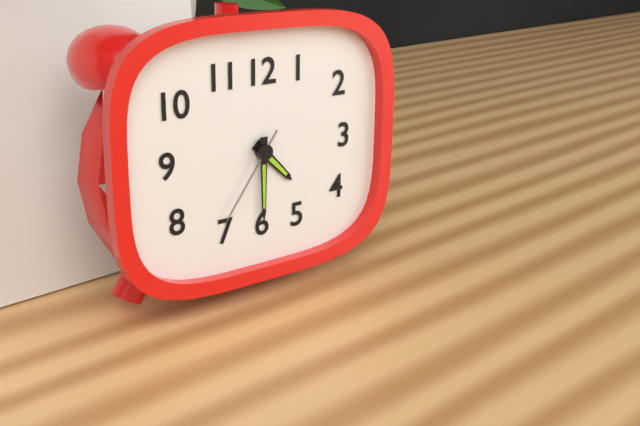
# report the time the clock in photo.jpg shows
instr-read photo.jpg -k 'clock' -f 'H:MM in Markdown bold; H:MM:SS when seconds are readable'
**4:30:36**
